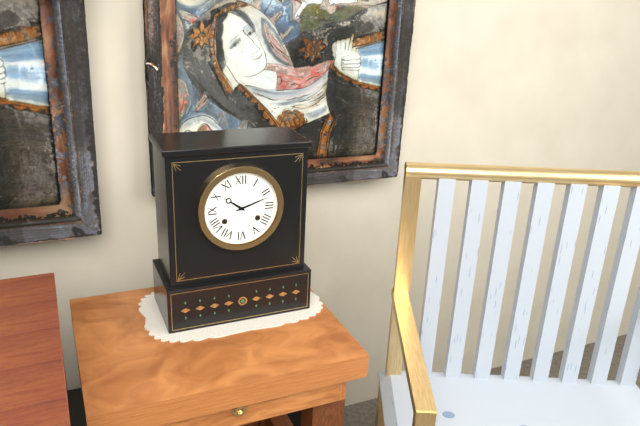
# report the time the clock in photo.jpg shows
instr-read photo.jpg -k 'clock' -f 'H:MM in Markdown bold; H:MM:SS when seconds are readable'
**10:12**
